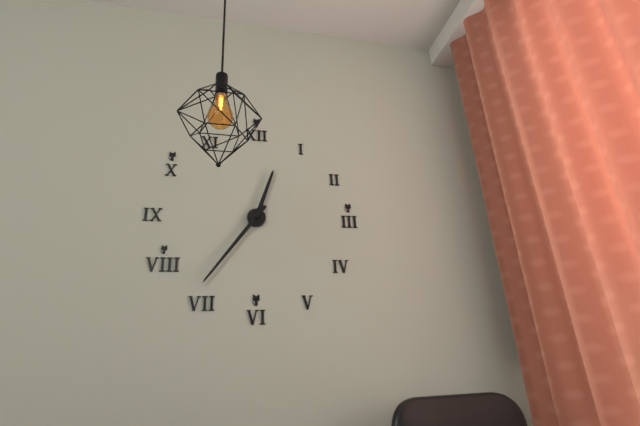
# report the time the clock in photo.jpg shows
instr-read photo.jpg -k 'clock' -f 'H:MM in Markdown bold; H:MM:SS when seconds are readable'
**12:36**
